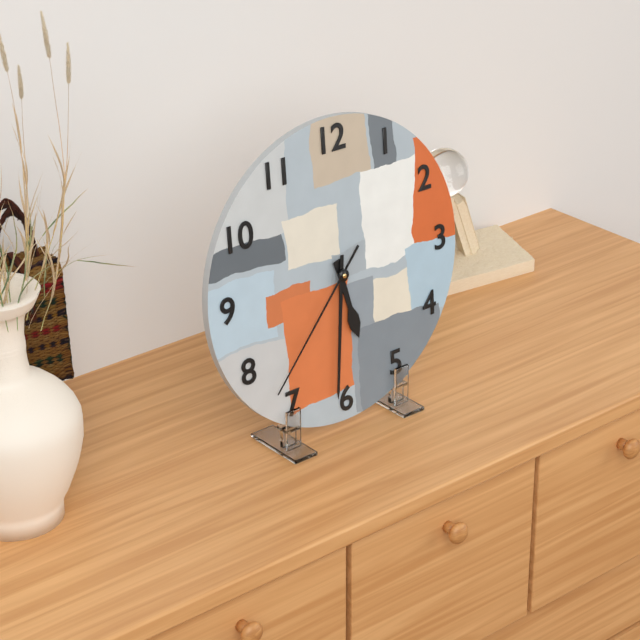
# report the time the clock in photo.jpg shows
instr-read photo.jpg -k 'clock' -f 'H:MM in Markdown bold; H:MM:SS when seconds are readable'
**5:31:37**
